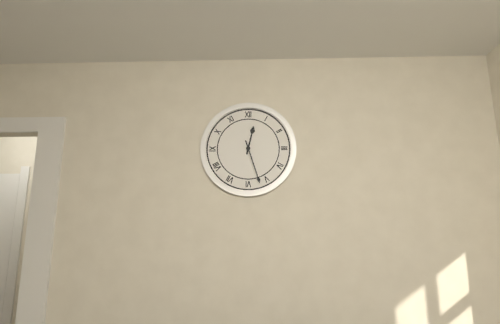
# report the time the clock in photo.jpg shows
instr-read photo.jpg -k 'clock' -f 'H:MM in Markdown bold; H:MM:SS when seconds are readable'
**12:27**
